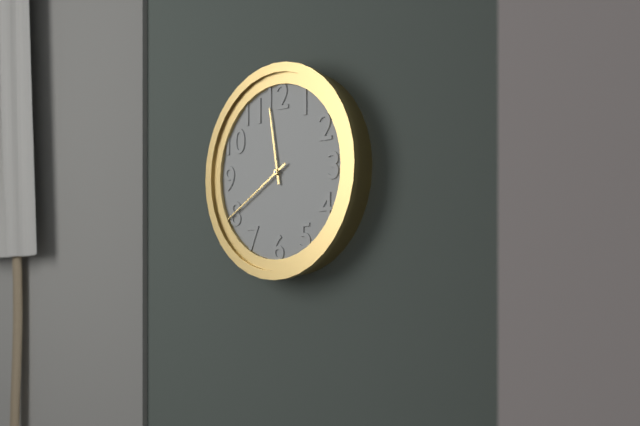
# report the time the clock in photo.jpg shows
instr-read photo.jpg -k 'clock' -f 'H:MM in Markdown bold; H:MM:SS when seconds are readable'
**11:40**
